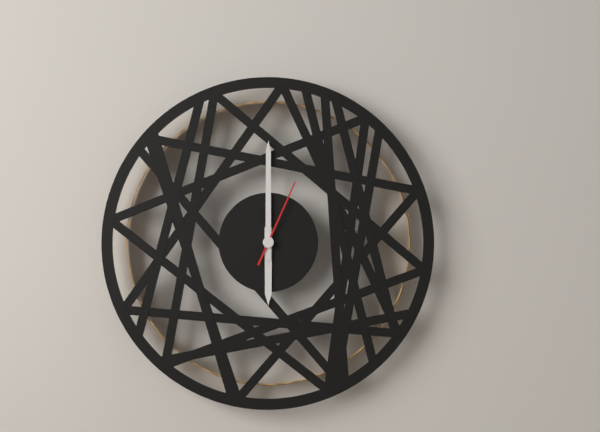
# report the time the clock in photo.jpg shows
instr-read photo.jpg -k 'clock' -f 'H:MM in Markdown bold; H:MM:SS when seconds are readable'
**6:00:04**
